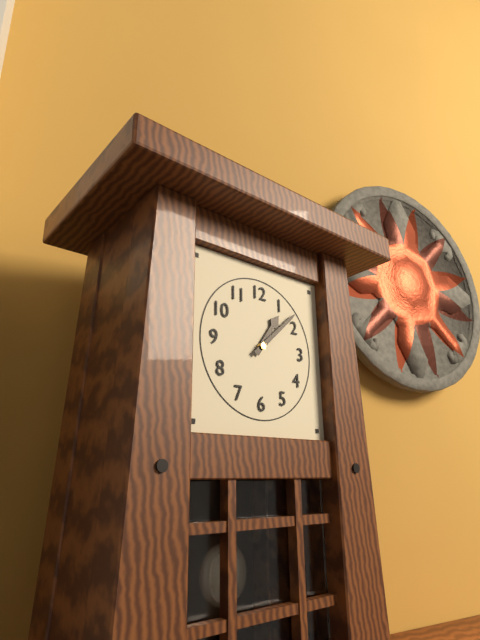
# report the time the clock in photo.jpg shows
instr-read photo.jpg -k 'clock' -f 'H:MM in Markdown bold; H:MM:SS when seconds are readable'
**1:08**
